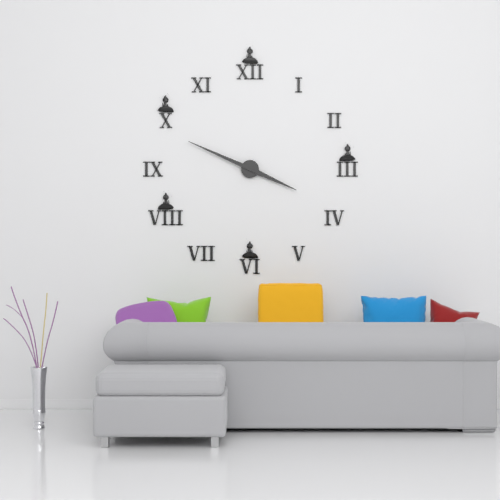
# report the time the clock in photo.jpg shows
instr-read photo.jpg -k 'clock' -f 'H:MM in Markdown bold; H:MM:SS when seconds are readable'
**3:49**
